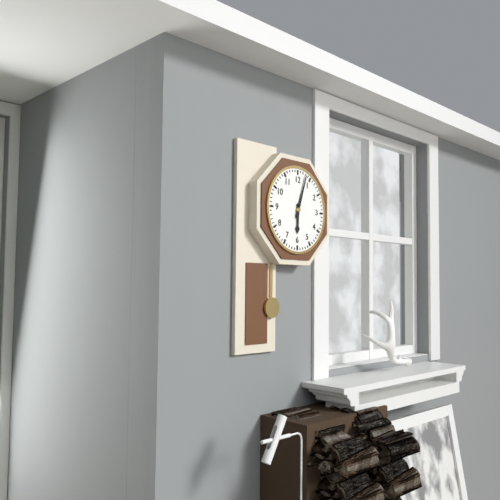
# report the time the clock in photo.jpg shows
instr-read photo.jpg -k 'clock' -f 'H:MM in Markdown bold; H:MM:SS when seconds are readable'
**6:03**
